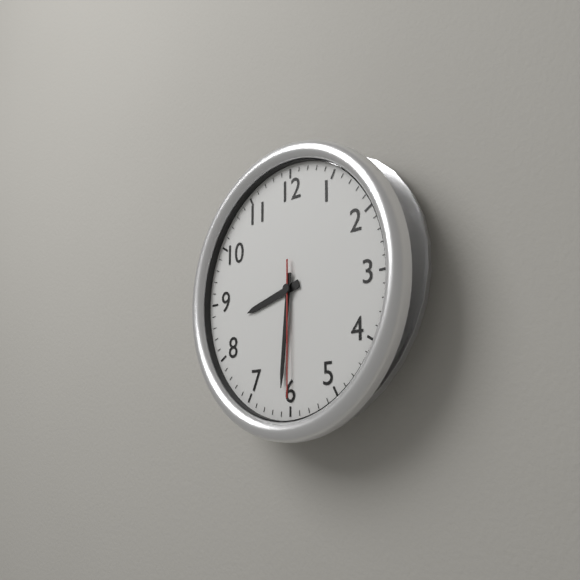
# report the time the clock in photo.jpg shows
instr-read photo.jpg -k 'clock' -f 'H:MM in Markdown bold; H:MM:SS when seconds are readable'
**8:31:30**
